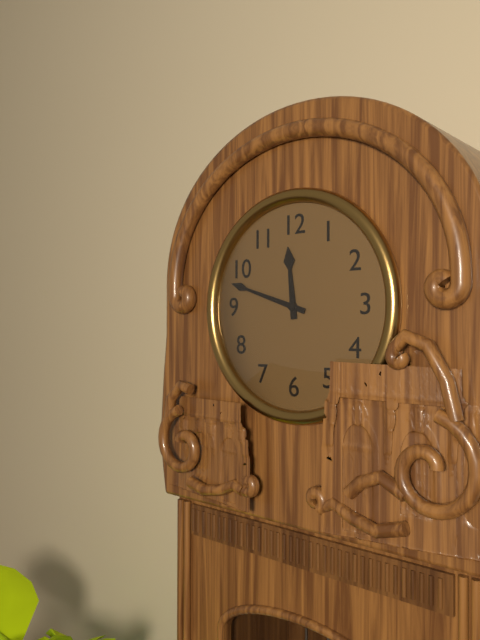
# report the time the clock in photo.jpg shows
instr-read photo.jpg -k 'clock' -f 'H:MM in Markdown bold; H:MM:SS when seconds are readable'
**11:48**
